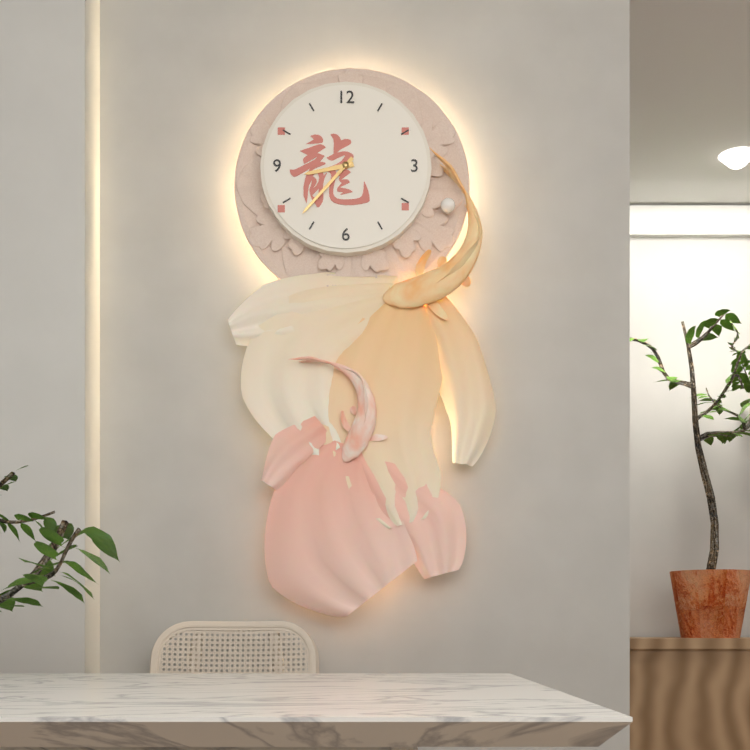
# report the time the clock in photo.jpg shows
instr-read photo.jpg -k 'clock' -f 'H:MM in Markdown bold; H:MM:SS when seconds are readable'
**8:37**
